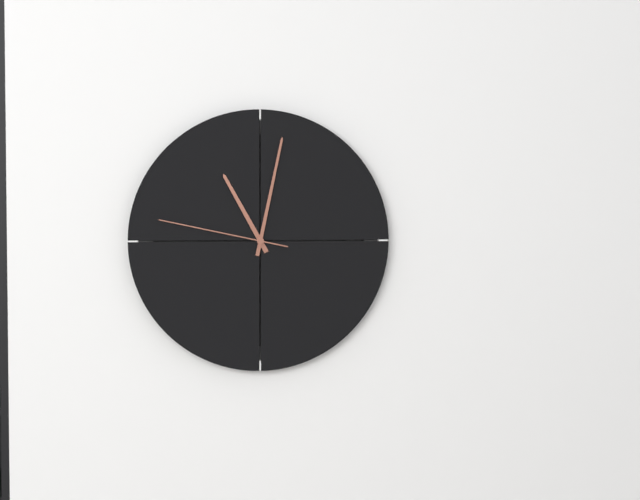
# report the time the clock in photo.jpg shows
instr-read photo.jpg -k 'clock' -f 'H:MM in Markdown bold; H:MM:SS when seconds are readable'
**11:02:47**
